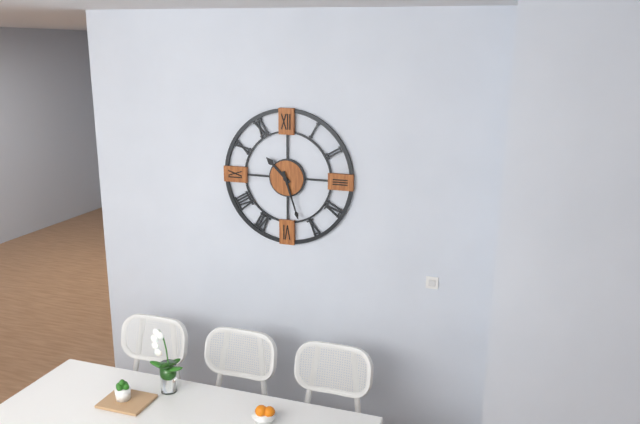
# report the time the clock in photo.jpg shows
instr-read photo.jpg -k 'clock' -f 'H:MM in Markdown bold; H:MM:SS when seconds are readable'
**10:27**
